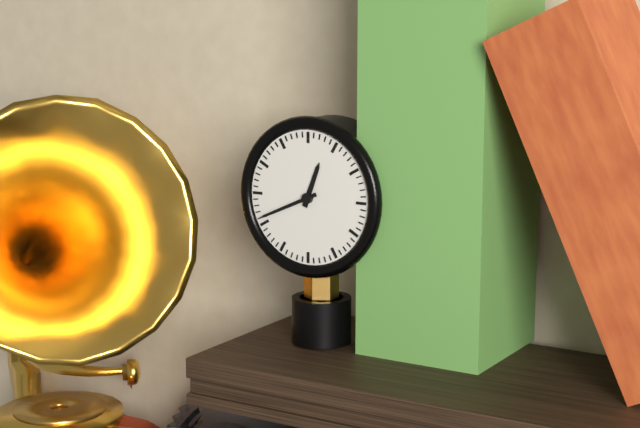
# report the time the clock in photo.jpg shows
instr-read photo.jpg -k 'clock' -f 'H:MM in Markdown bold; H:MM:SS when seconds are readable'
**12:41**
